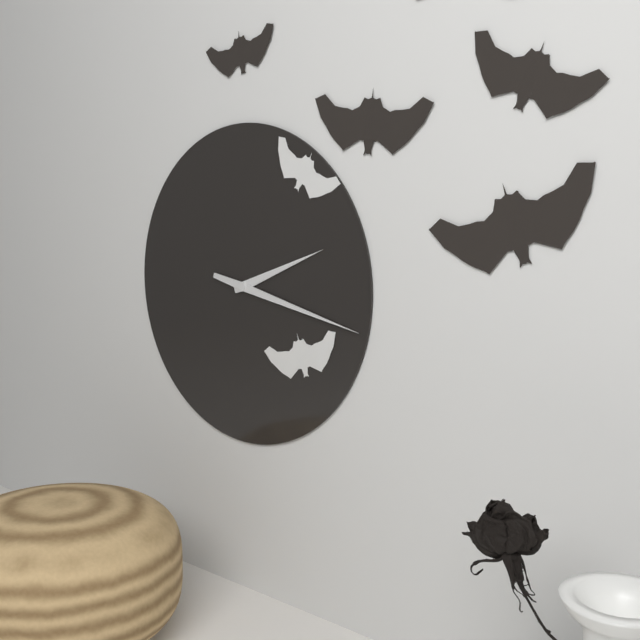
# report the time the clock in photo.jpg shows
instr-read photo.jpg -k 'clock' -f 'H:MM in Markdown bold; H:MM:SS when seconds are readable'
**2:17**
